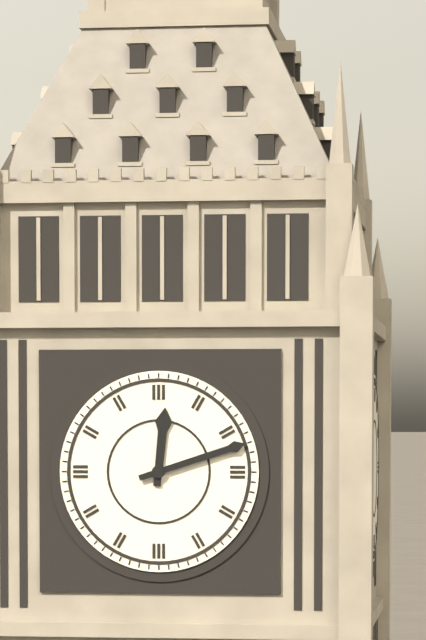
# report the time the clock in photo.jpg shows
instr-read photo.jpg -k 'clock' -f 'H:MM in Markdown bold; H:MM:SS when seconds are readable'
**12:12**
